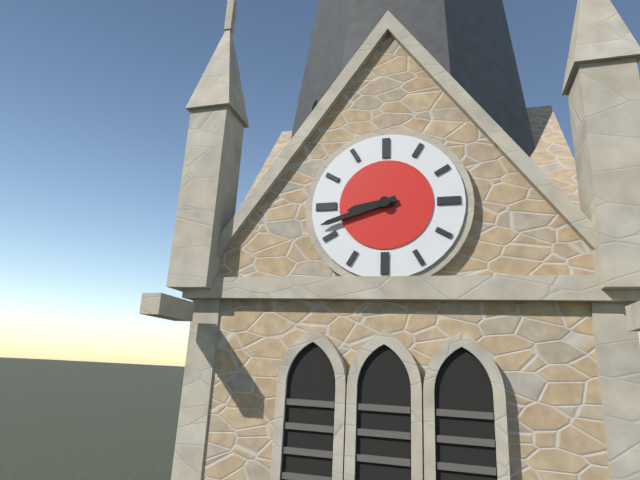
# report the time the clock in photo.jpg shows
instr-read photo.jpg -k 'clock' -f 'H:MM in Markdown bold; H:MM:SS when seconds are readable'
**8:42**
